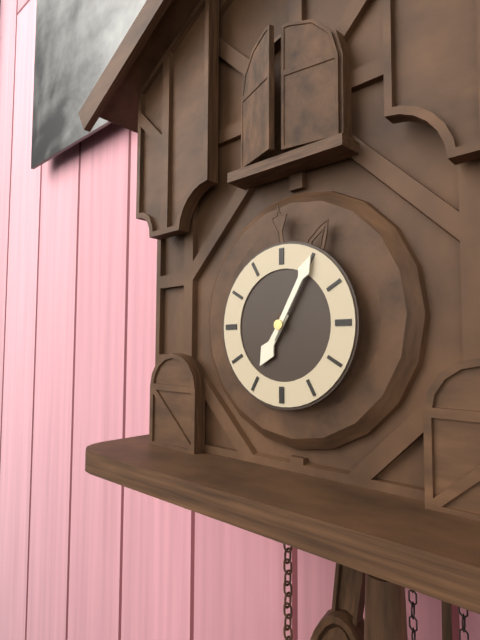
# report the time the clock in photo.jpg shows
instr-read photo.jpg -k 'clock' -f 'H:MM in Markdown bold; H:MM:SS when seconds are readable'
**7:05**
